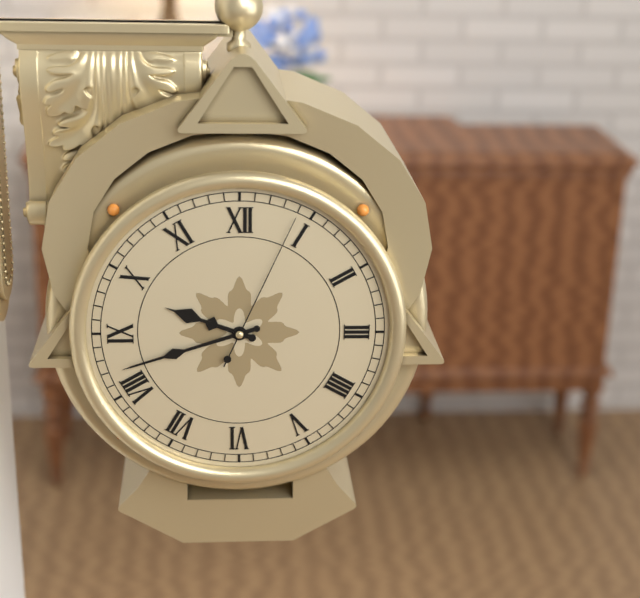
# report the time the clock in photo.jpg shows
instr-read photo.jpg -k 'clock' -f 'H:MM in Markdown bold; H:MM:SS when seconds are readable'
**9:42:04**
